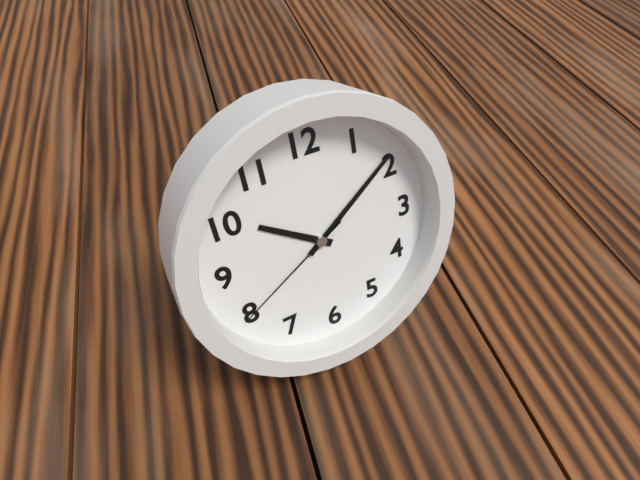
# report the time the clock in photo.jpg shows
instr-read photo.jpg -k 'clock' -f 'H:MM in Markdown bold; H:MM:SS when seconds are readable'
**10:09:40**
